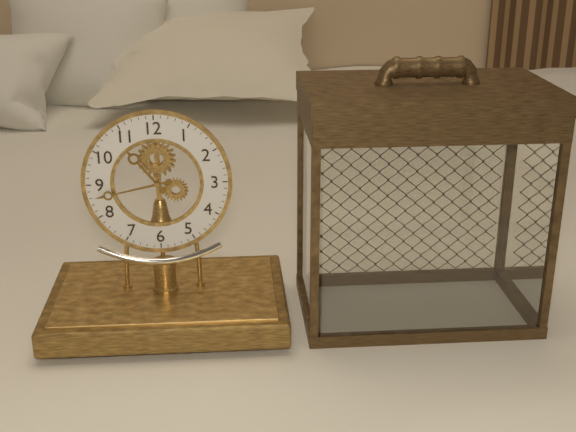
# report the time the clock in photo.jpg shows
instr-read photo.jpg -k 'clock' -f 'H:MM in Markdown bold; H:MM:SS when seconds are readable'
**10:43**
